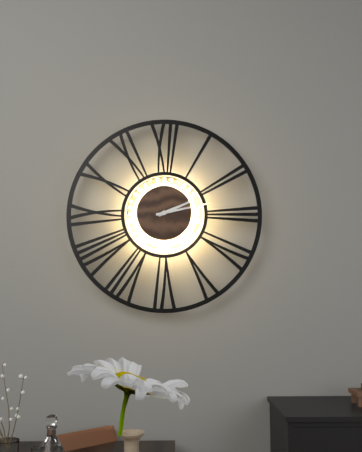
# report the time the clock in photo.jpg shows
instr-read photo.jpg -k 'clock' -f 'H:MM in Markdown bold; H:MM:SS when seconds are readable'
**2:13**
